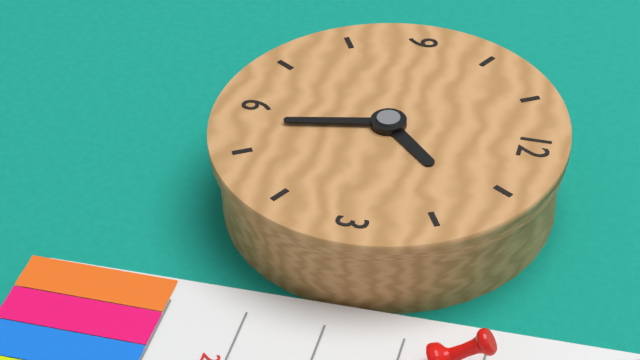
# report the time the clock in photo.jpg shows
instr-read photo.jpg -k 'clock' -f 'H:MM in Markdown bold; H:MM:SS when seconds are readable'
**1:28**
